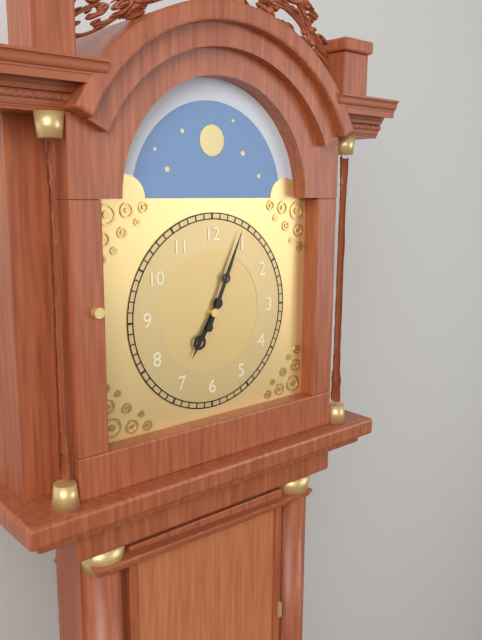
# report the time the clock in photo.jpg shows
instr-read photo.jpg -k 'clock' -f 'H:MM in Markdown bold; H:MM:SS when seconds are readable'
**7:04**
